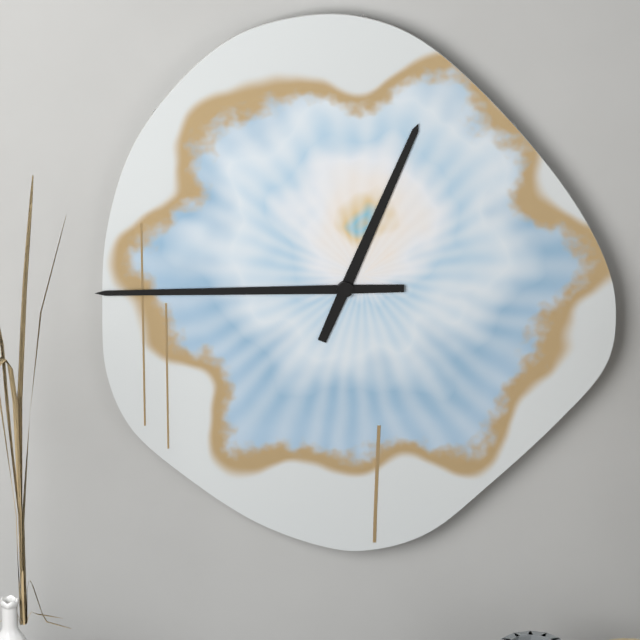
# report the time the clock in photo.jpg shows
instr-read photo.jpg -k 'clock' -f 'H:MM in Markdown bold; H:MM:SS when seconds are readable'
**12:45**
